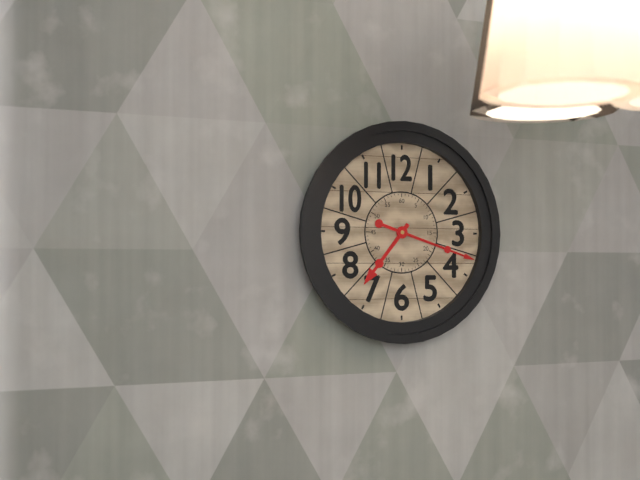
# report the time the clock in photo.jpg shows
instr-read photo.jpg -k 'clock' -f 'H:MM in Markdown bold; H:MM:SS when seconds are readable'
**7:18**
